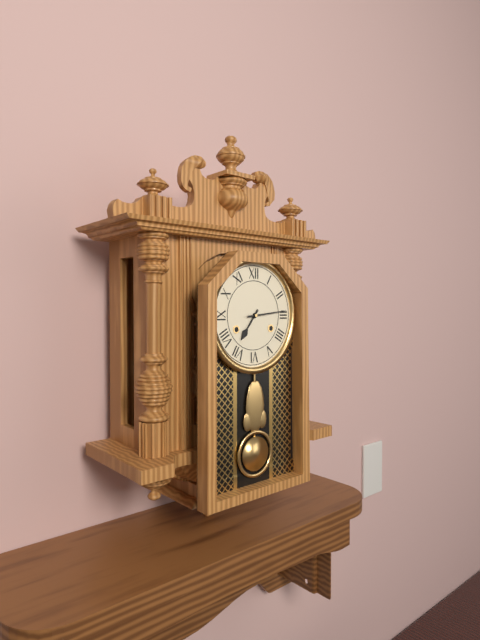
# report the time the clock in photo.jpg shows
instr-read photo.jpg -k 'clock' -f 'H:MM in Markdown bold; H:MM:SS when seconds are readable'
**7:14**
